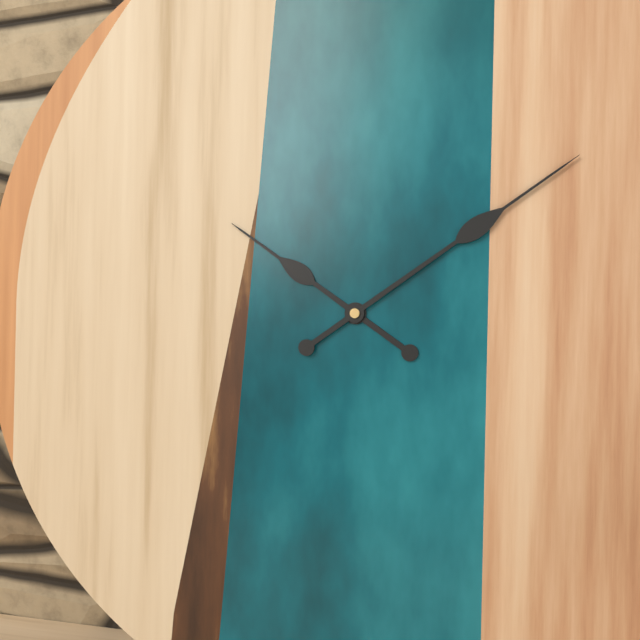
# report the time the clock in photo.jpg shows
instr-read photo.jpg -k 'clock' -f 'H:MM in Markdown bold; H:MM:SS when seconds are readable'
**10:09**
